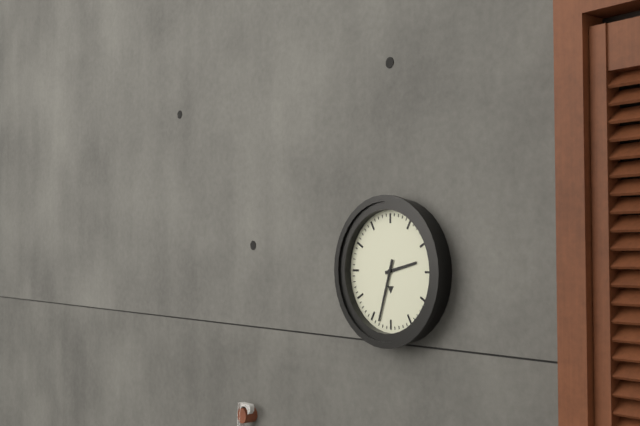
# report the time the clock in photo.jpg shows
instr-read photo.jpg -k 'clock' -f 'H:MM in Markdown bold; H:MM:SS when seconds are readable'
**2:33**
